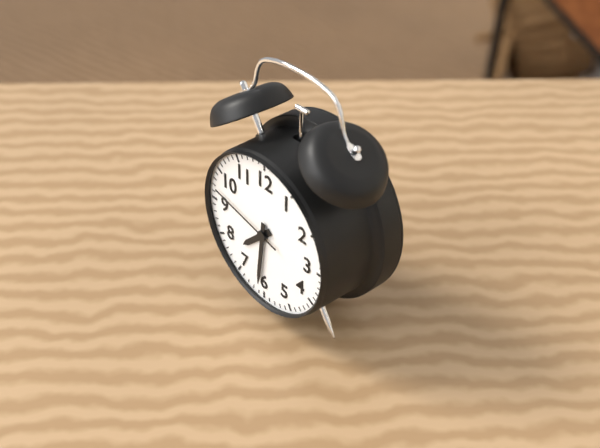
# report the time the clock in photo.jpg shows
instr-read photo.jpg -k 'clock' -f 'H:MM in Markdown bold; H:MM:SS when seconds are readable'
**7:31:47**
